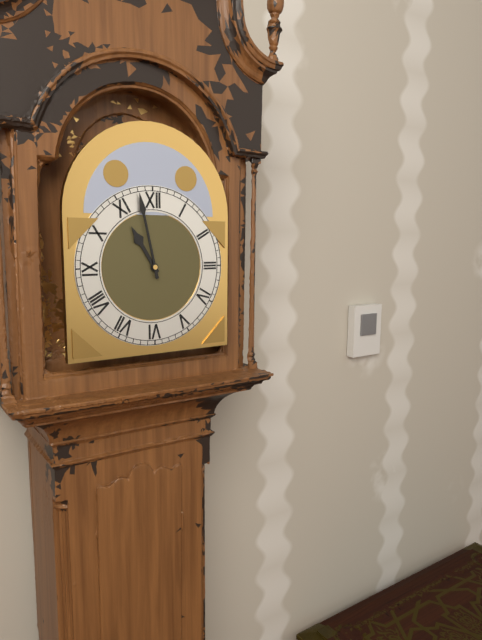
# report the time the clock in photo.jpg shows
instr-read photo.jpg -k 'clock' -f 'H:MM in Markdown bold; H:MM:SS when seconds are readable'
**10:58**
